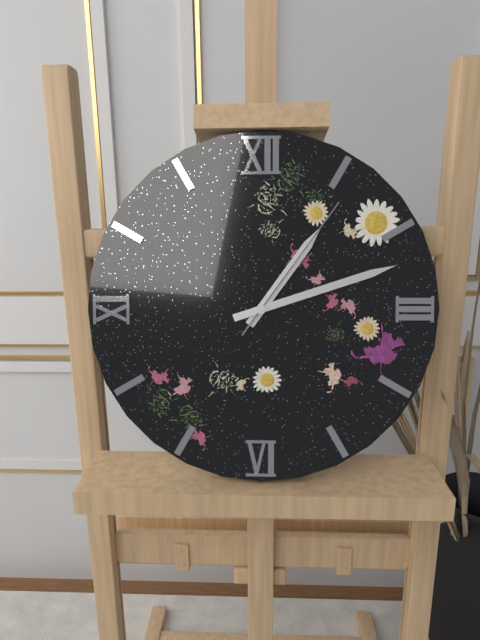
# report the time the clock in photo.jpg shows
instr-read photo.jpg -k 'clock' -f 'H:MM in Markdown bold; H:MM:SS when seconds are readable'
**1:12:06**
